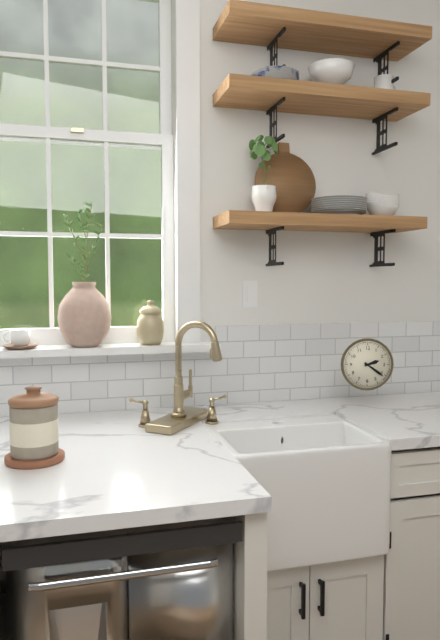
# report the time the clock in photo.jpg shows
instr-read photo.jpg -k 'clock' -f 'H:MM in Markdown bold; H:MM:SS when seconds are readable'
**2:21**
